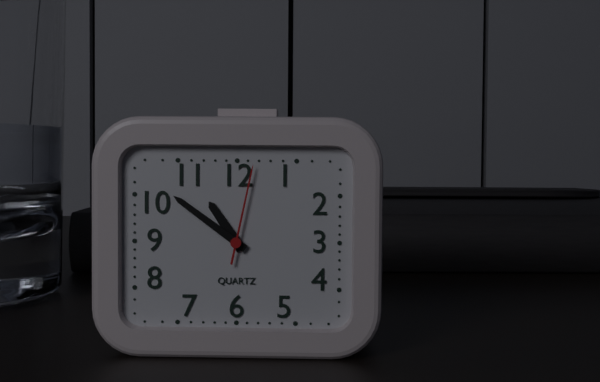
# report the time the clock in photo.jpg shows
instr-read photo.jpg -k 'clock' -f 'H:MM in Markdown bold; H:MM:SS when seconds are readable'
**10:51:02**
